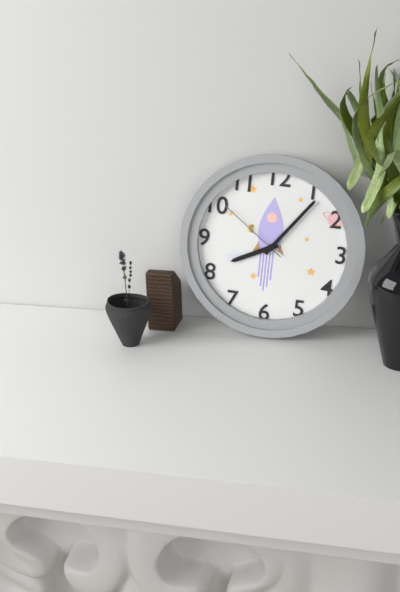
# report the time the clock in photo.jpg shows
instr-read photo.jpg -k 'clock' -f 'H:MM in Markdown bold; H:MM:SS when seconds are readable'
**8:06:51**
